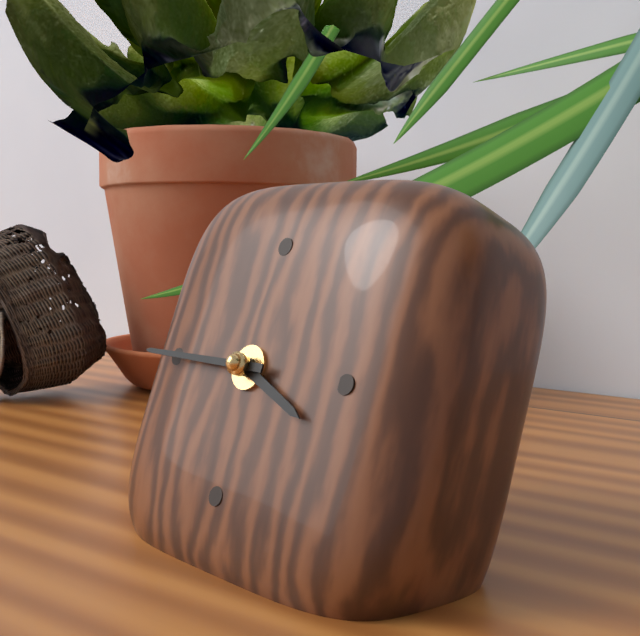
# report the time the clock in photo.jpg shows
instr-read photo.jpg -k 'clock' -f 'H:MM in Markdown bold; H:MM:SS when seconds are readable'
**3:45**
